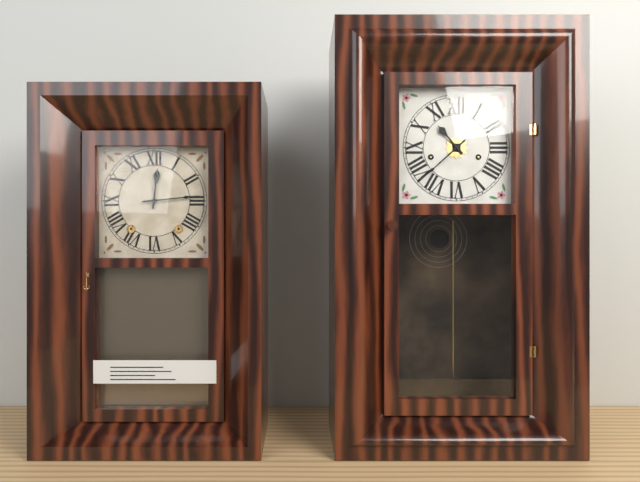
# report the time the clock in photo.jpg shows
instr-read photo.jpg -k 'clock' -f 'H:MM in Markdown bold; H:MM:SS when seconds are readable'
**12:14**
